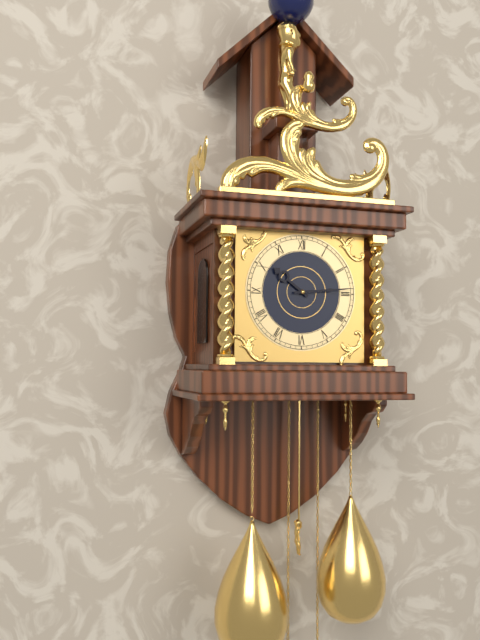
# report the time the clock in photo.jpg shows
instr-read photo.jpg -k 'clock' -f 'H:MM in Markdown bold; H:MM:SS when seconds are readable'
**10:14**
